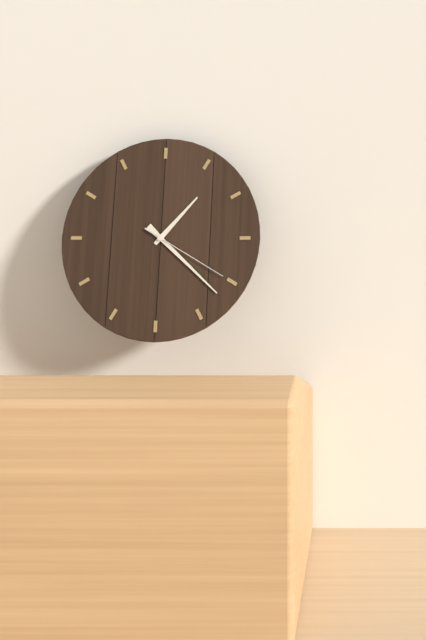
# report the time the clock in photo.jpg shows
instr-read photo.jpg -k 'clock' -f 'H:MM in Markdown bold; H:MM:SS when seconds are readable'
**1:22:20**
